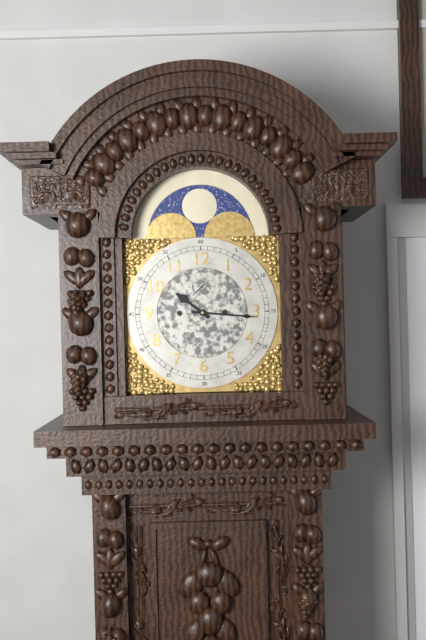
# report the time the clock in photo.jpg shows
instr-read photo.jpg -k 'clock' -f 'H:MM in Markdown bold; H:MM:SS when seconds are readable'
**10:16**
